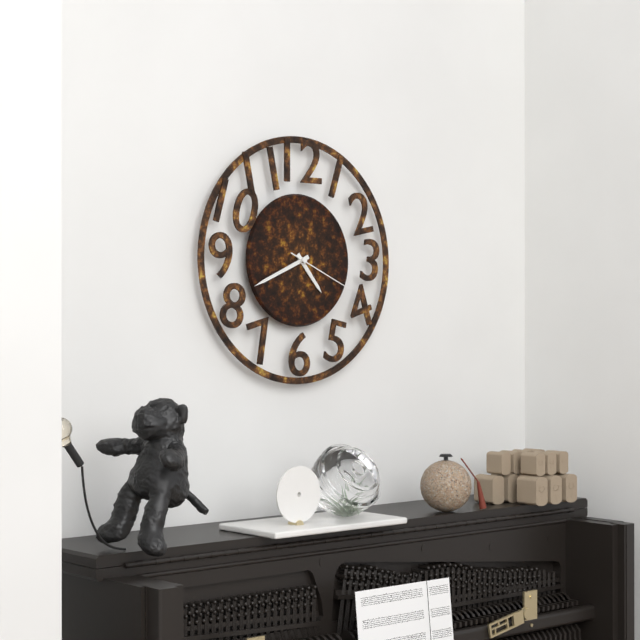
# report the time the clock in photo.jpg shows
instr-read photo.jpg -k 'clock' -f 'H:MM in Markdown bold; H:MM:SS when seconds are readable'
**4:41:19**
